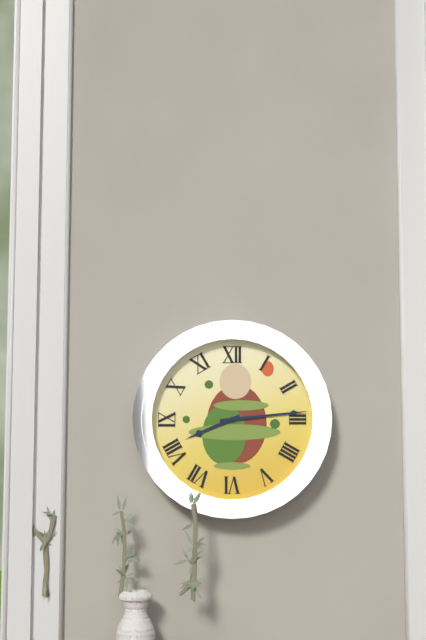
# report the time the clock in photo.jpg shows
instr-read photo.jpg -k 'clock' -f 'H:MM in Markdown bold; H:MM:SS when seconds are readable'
**8:14**
